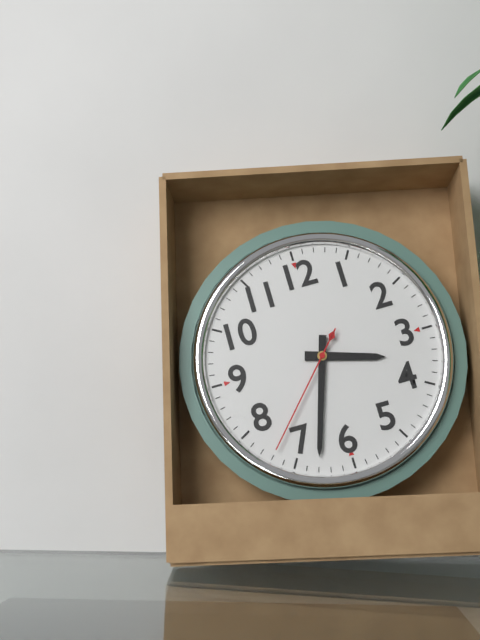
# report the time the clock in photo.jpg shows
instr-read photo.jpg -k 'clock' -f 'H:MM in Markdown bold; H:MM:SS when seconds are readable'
**3:33:37**
